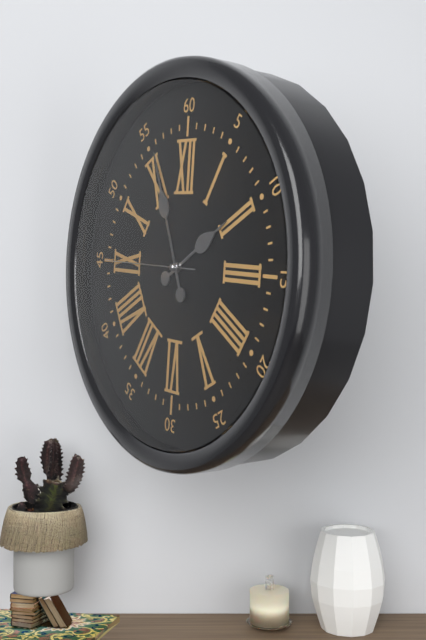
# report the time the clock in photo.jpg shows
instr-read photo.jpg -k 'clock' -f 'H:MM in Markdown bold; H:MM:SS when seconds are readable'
**1:56:45**
